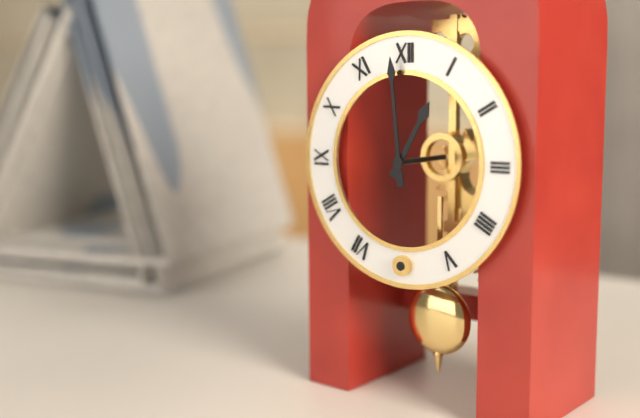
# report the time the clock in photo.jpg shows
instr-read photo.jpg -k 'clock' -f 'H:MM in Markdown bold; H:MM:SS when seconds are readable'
**12:59**
